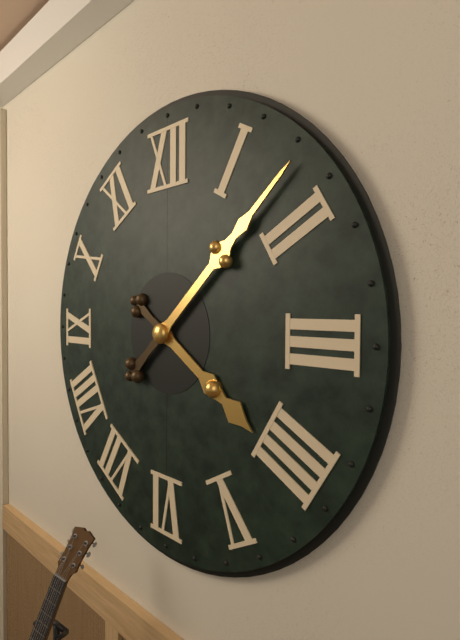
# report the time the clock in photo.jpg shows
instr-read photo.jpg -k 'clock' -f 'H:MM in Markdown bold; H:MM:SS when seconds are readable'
**4:08**
